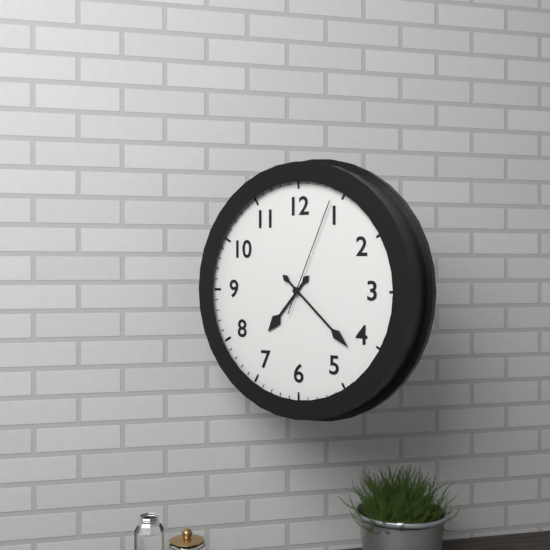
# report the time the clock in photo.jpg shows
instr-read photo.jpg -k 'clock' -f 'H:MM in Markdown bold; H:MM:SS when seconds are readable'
**7:22:04**
